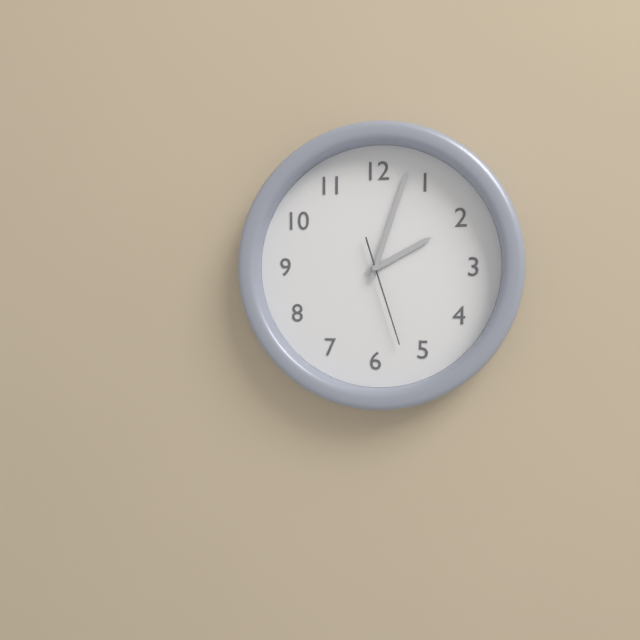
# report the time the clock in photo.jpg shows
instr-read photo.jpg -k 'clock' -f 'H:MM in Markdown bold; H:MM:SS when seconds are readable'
**2:03:27**
